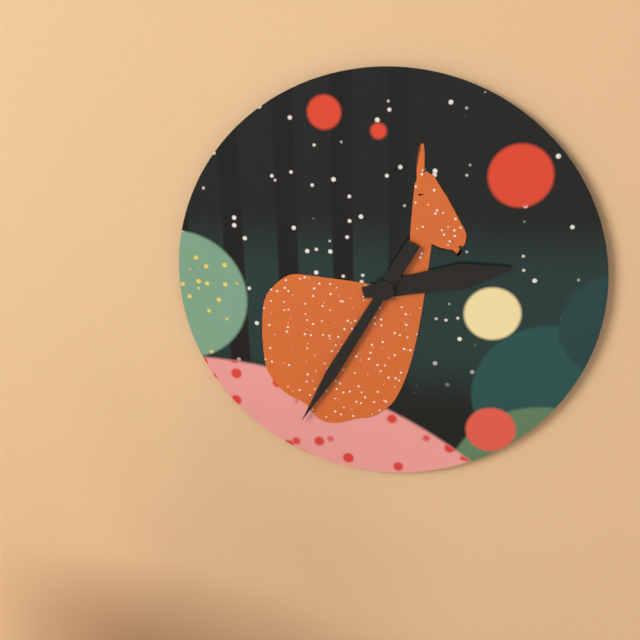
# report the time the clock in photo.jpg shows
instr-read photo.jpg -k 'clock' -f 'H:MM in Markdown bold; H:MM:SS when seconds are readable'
**2:35**
